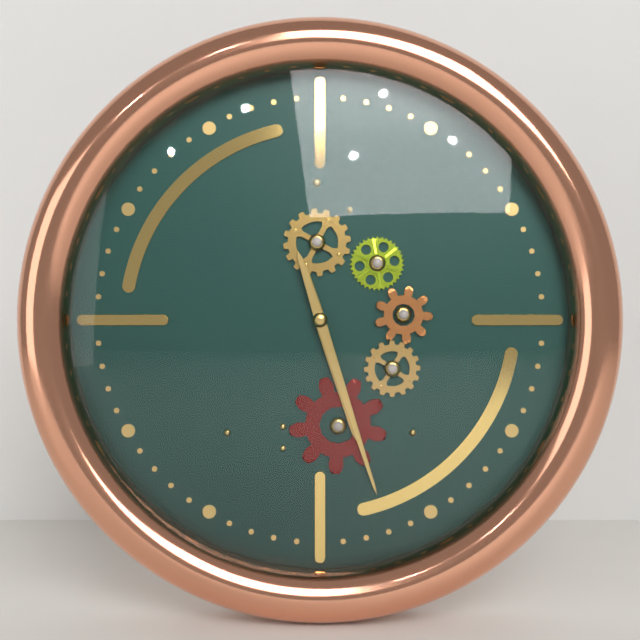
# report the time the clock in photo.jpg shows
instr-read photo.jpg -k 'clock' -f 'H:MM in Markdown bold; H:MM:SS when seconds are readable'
**5:27**
